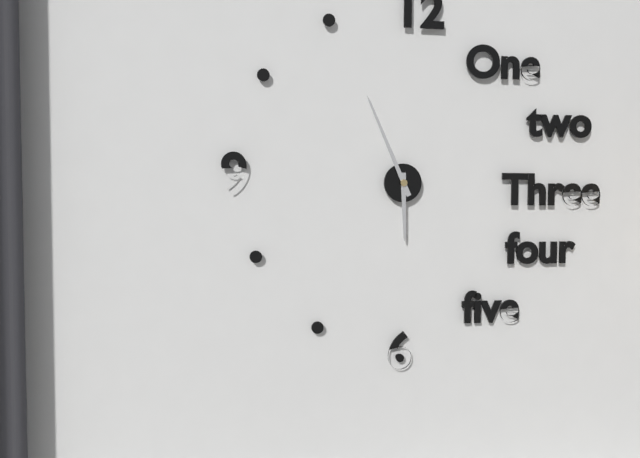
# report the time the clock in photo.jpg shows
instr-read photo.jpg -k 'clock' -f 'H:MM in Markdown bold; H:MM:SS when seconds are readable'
**5:56**
